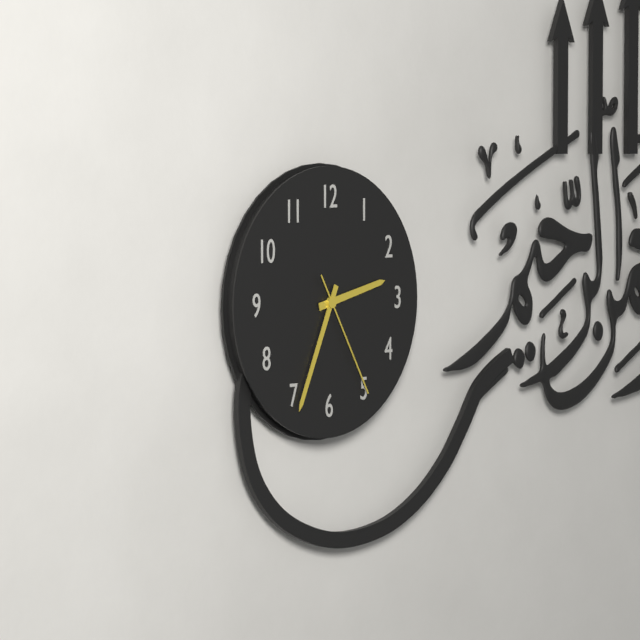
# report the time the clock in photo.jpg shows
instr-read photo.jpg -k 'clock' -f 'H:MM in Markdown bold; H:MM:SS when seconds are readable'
**2:34:25**
